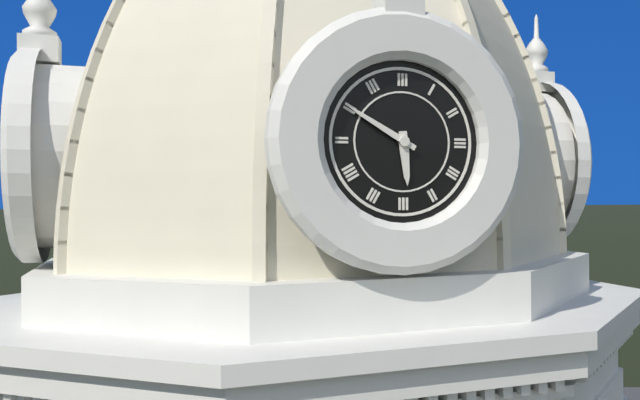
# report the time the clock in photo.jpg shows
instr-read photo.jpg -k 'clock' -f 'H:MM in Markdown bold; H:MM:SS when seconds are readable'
**5:50**
